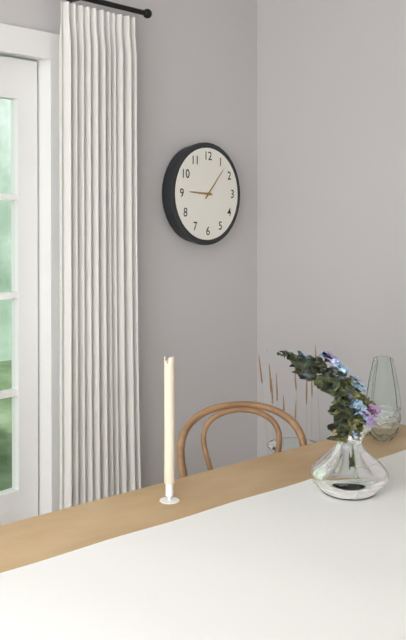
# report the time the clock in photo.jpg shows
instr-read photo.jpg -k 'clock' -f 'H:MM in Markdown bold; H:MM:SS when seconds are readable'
**9:07**
